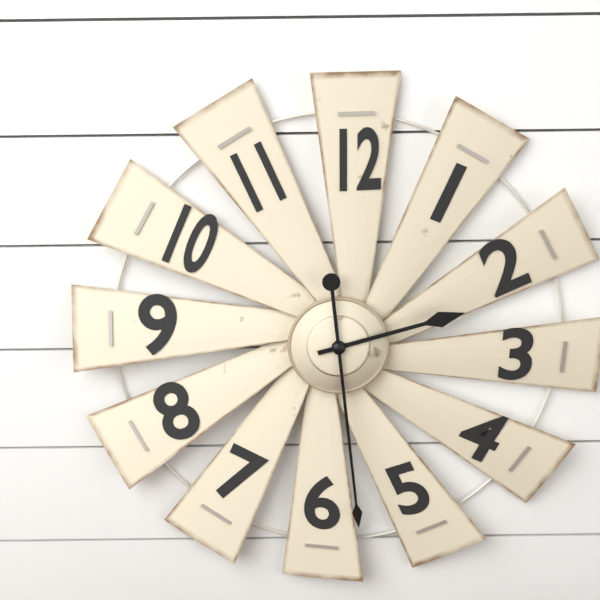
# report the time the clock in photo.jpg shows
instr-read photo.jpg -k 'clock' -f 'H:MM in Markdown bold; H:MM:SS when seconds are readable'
**2:29**
